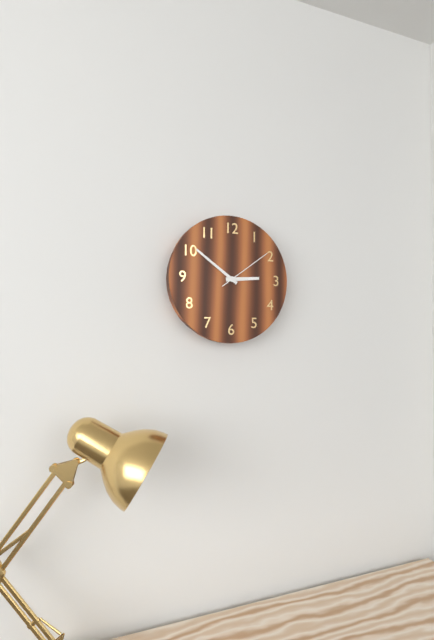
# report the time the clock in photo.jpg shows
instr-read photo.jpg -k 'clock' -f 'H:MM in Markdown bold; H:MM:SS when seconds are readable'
**2:51:09**
